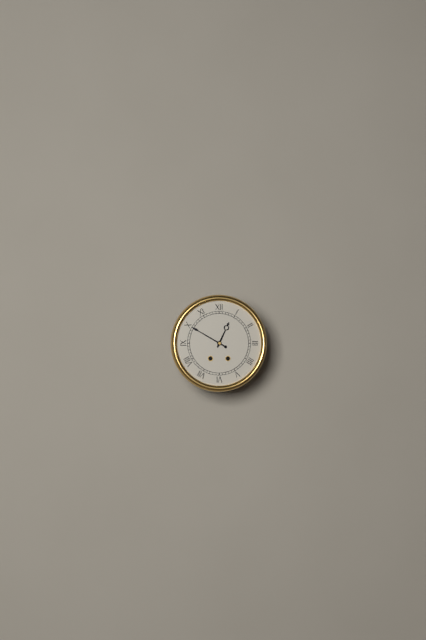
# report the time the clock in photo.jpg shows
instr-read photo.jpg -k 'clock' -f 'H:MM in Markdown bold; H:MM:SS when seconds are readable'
**12:50**
